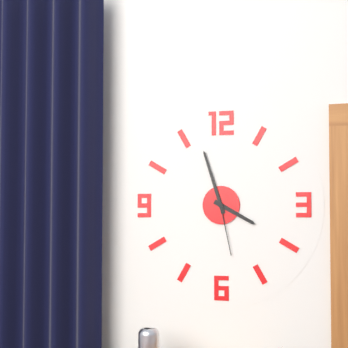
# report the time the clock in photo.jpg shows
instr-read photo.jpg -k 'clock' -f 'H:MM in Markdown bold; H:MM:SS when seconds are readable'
**3:57:28**
